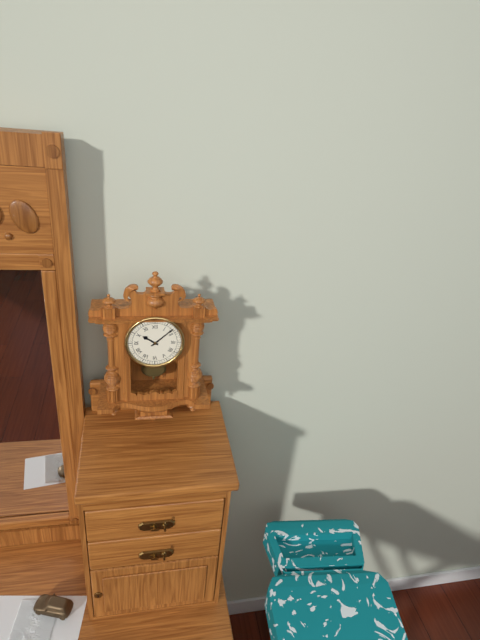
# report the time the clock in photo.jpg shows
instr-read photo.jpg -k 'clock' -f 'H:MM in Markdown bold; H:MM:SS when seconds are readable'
**10:08**
